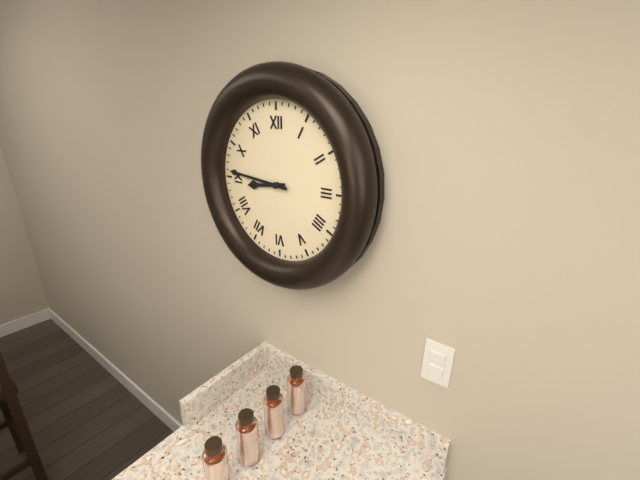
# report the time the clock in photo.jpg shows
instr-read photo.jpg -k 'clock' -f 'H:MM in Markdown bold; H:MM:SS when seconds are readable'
**8:46**
